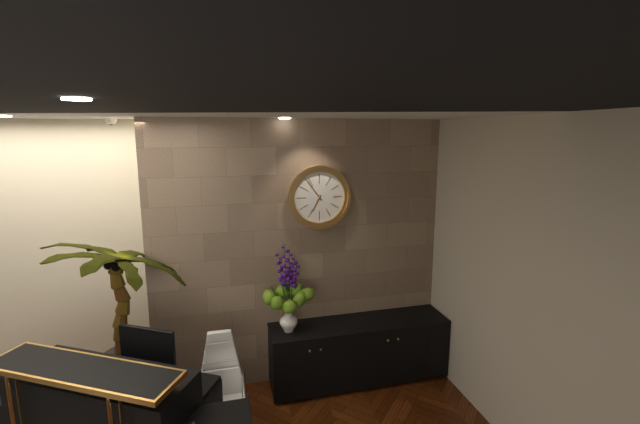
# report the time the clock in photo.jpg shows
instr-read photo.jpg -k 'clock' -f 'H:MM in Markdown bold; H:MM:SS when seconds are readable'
**6:54**
